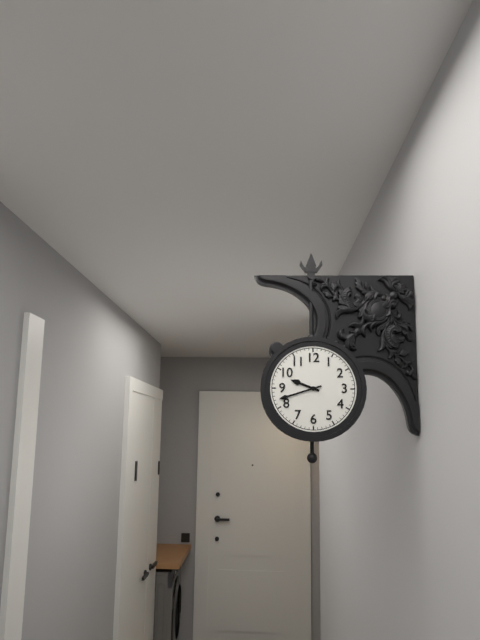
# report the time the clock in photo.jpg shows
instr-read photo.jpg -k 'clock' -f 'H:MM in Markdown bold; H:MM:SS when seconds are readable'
**9:42**
